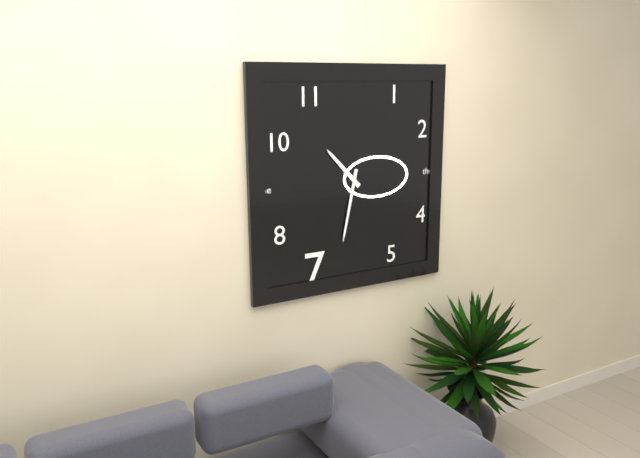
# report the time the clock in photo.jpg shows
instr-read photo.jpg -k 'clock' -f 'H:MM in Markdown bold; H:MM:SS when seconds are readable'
**10:32**
